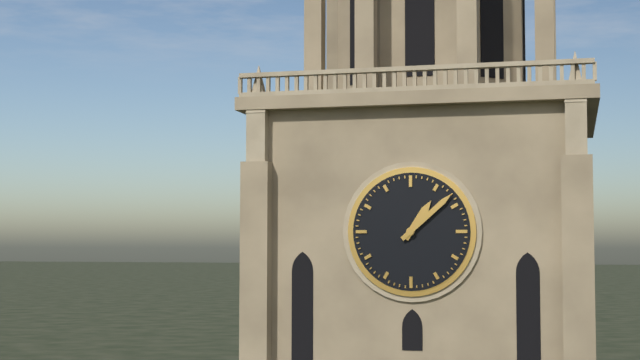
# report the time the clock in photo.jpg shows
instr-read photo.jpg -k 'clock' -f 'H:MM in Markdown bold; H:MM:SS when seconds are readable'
**1:08**
